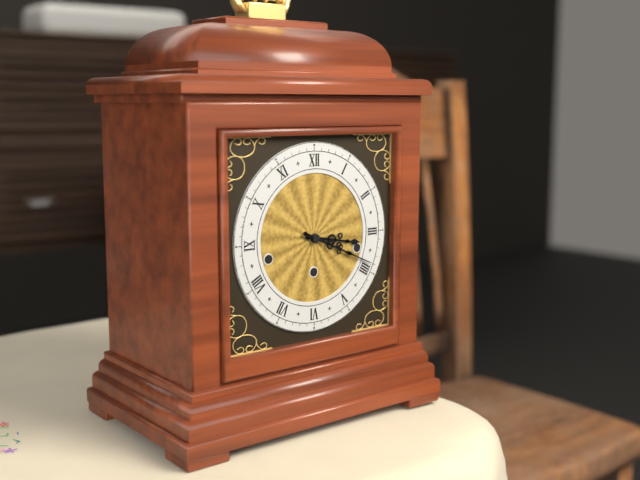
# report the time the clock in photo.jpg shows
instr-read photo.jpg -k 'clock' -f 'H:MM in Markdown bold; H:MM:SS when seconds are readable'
**3:19**
